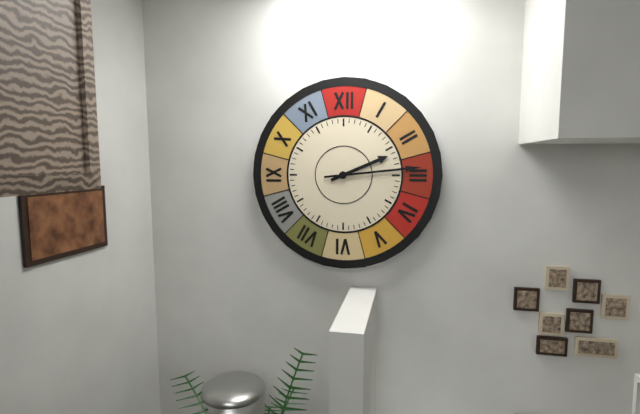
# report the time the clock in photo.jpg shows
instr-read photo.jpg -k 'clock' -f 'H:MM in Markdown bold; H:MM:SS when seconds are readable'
**2:14**
